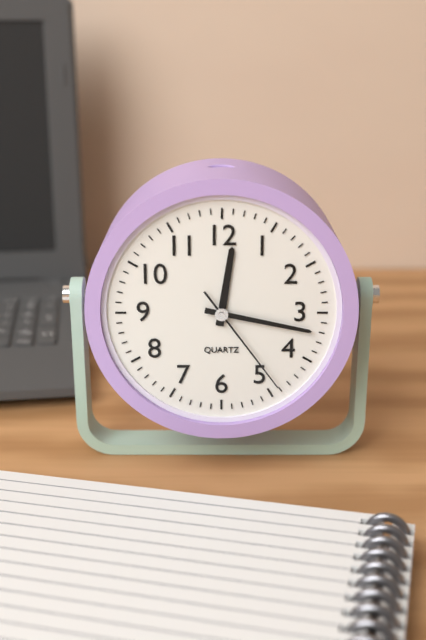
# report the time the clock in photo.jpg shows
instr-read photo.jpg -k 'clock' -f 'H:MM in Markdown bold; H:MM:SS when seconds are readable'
**12:17:24**
